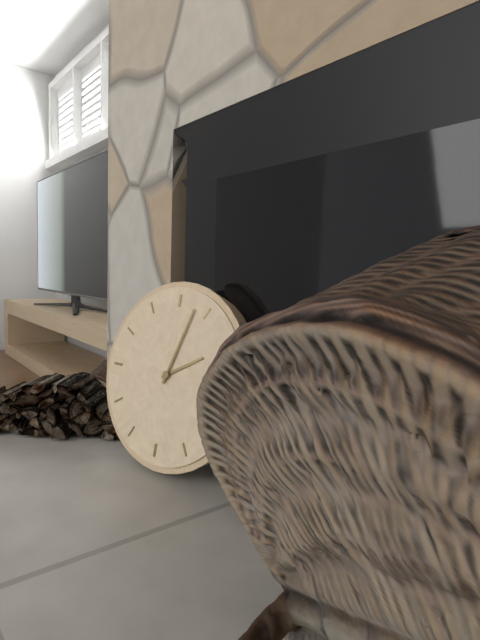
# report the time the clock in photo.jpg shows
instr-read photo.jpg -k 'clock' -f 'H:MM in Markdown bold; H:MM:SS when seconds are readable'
**2:03**
